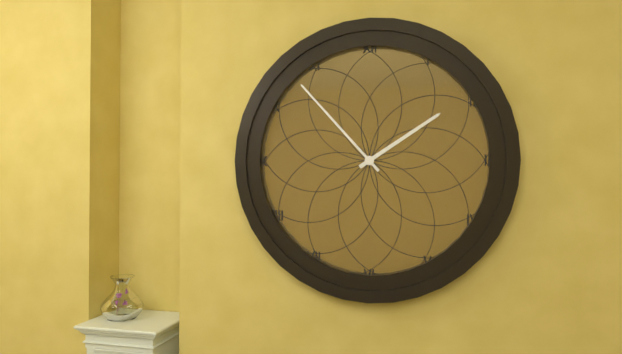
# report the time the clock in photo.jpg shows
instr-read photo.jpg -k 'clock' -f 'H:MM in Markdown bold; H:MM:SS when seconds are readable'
**1:53**
